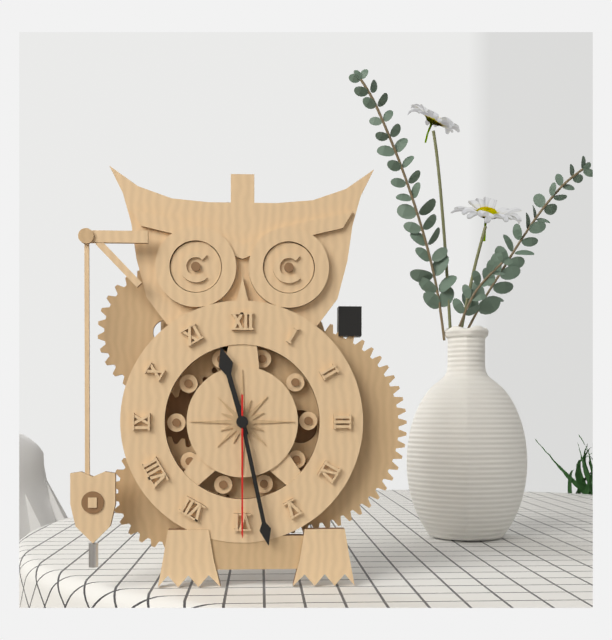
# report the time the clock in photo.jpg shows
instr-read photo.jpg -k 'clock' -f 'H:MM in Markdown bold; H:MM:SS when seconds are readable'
**11:28:30**
